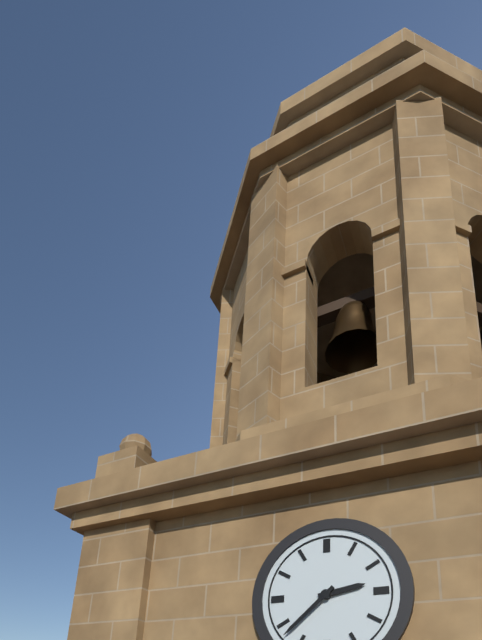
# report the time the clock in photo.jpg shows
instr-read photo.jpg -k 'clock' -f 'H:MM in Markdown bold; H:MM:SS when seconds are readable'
**2:38**
